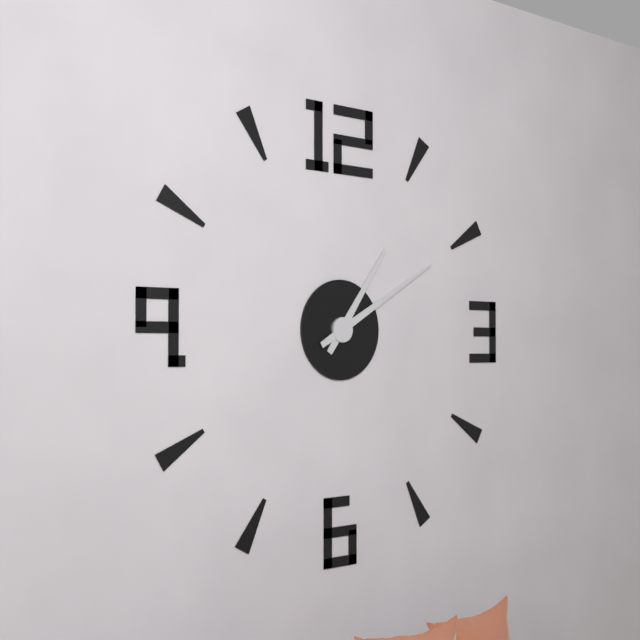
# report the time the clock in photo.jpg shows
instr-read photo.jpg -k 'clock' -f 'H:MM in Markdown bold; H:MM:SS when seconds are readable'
**1:10**
